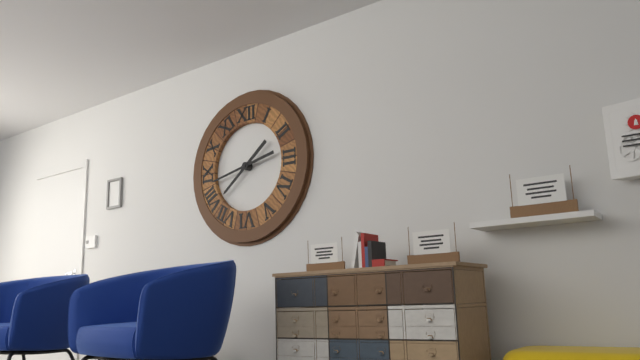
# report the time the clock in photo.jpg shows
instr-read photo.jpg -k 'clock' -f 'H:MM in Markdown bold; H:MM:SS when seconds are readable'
**7:43**
